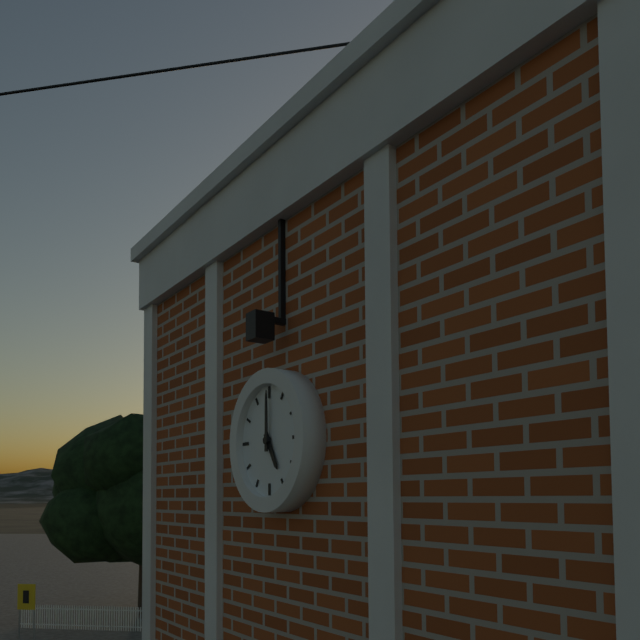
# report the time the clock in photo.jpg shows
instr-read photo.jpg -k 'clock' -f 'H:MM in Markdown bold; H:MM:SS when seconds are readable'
**5:00**
